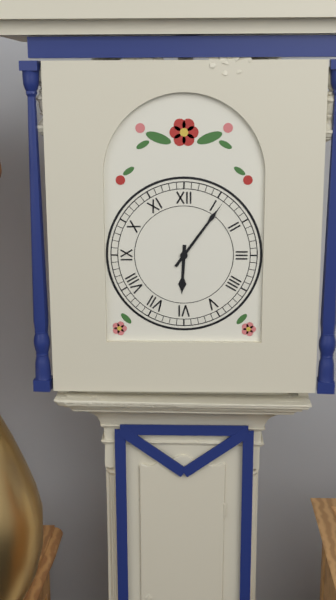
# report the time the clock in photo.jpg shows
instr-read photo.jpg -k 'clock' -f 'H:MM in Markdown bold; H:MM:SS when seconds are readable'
**6:06**
